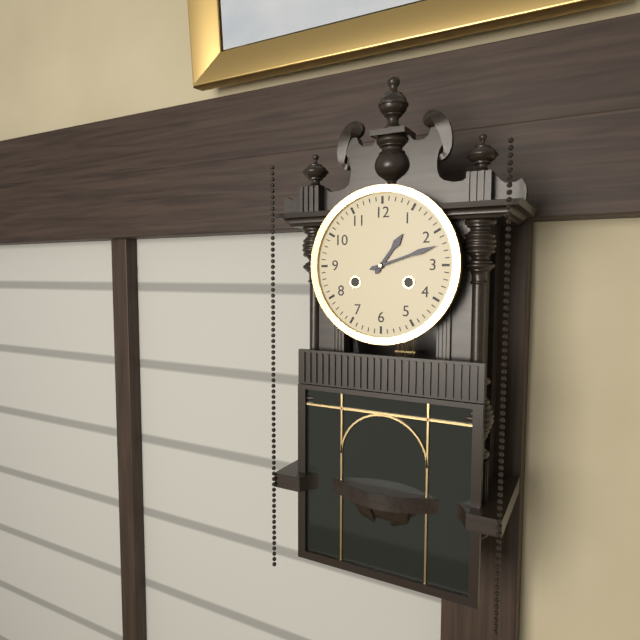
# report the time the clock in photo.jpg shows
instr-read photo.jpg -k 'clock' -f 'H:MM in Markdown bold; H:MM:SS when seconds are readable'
**1:12**
